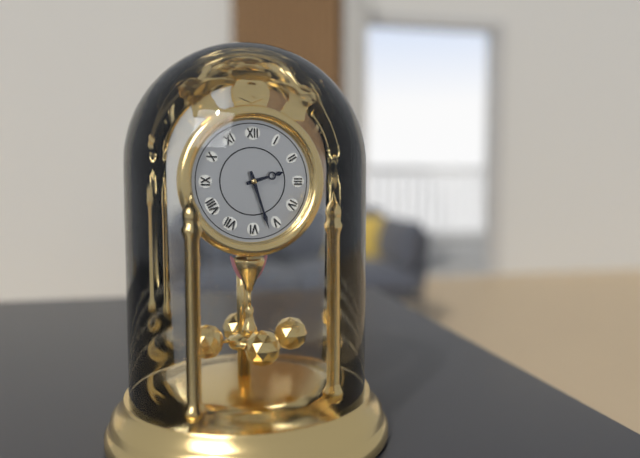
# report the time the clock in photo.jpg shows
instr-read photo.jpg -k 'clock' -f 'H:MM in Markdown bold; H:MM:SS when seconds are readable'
**2:27**
